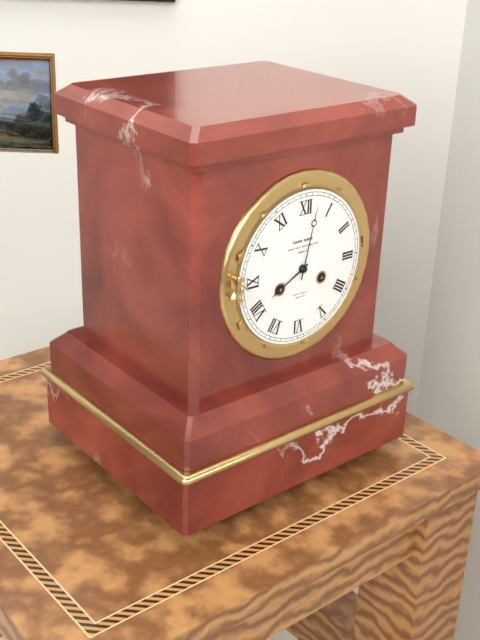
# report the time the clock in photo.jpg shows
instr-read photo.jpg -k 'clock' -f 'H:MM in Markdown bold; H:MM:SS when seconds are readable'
**8:02**
